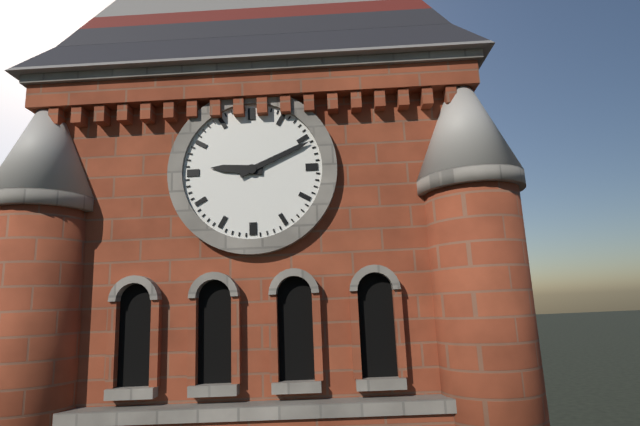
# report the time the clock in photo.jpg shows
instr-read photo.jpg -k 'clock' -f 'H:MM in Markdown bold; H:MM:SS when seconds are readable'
**9:11**
